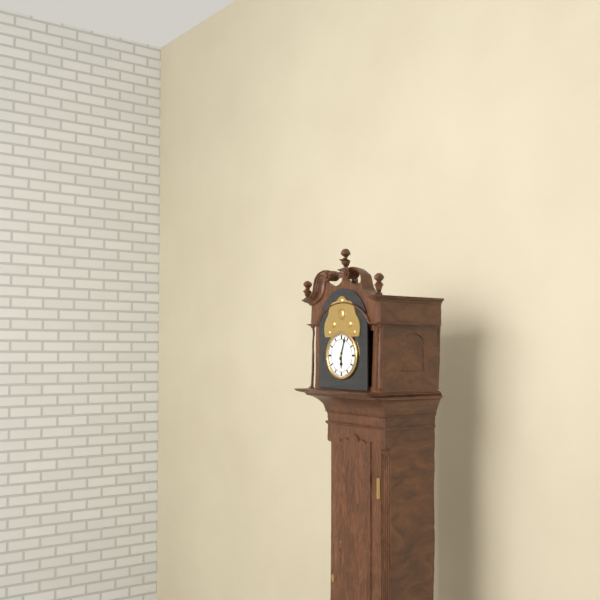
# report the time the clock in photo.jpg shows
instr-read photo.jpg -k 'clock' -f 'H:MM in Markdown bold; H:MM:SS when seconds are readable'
**6:03**
